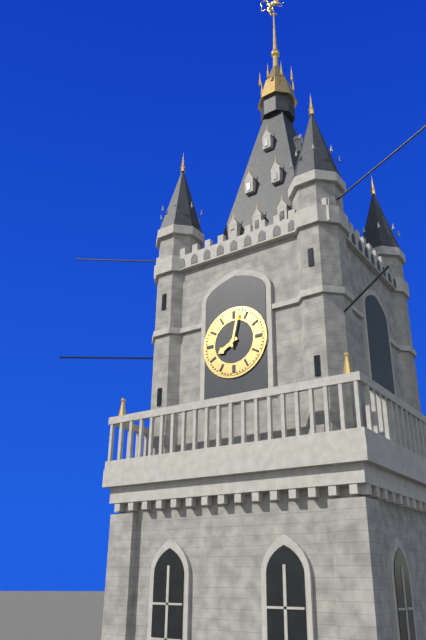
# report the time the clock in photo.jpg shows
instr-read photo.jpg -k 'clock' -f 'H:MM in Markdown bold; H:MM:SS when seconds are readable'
**8:02**
